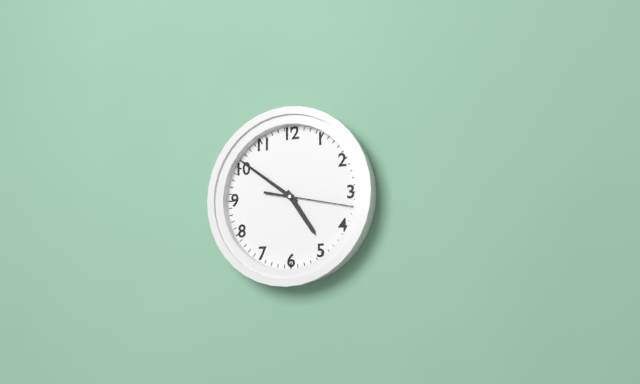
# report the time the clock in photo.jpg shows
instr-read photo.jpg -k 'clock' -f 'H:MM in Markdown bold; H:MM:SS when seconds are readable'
**4:51:17**
